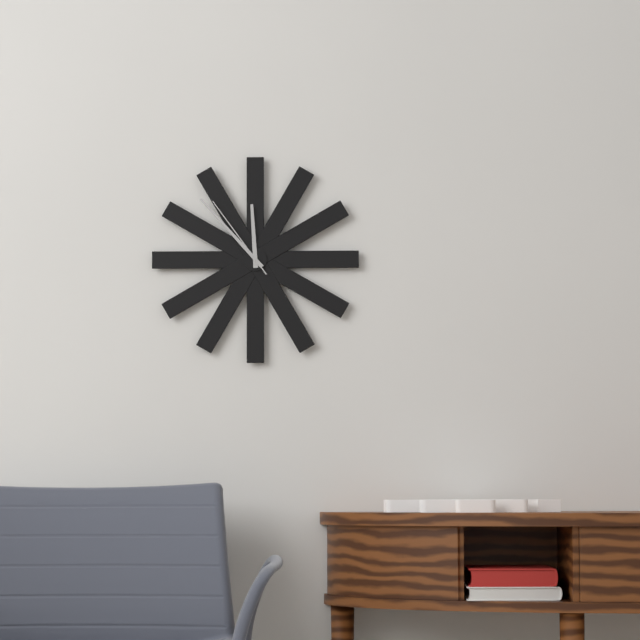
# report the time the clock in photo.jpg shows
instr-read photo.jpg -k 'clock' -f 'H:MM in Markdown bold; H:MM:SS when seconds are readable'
**11:53:54**
